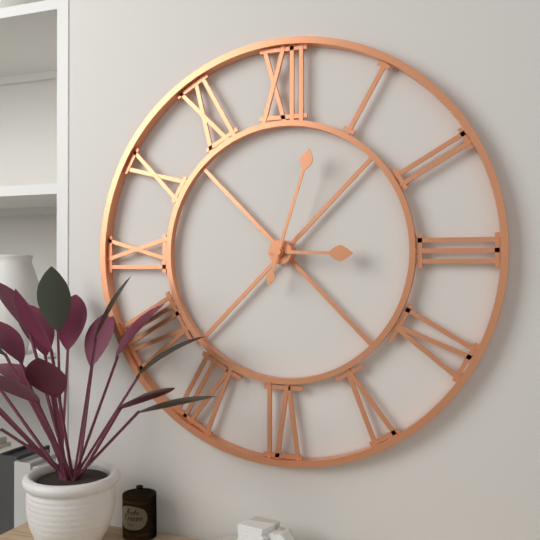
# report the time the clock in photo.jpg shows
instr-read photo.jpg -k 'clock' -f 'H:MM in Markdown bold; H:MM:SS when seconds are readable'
**3:03**
